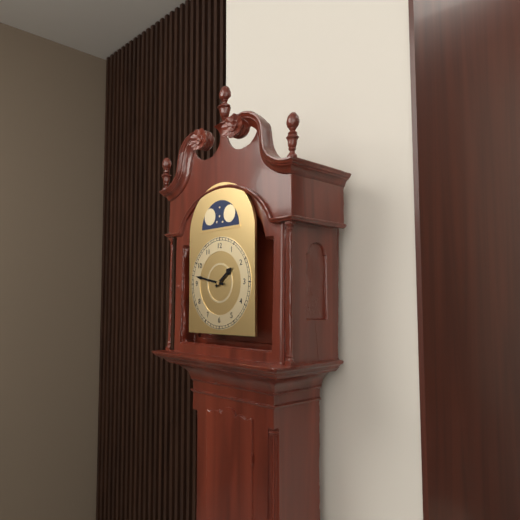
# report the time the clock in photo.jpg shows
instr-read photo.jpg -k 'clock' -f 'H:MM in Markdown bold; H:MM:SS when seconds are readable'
**1:47**
